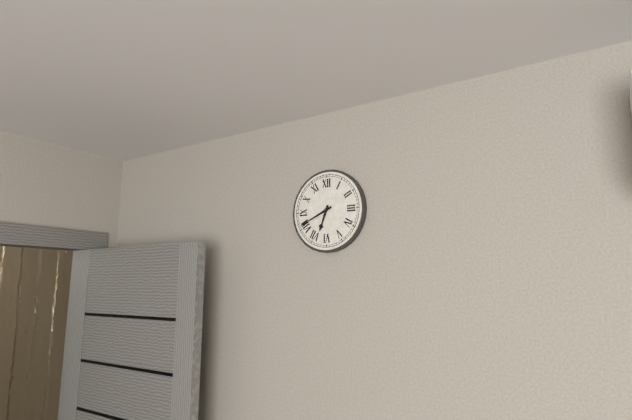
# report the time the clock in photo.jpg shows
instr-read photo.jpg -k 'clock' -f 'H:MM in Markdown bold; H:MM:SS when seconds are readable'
**6:41**
